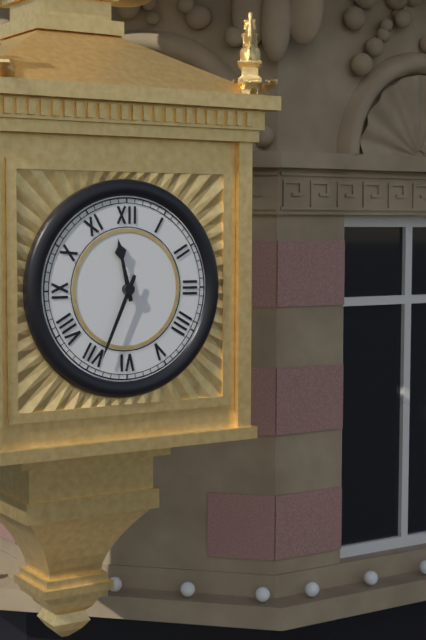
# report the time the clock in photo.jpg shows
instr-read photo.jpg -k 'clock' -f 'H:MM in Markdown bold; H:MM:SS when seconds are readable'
**11:34**
